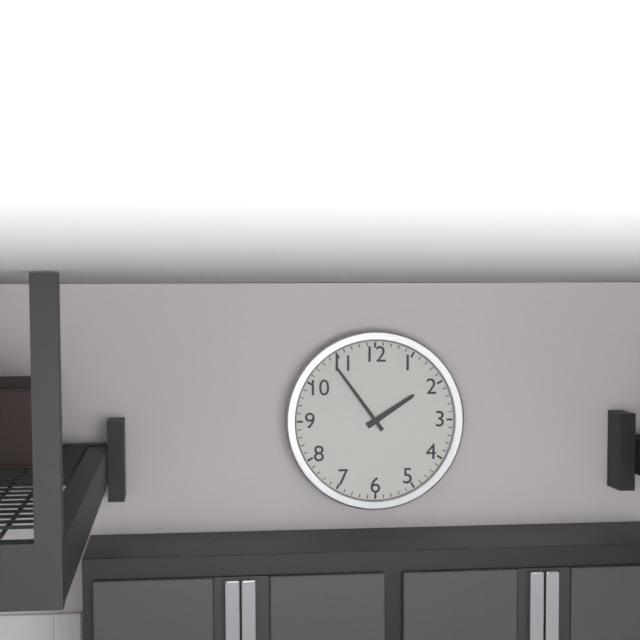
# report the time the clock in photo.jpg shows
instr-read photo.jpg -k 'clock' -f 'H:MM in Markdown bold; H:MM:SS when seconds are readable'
**1:54**
